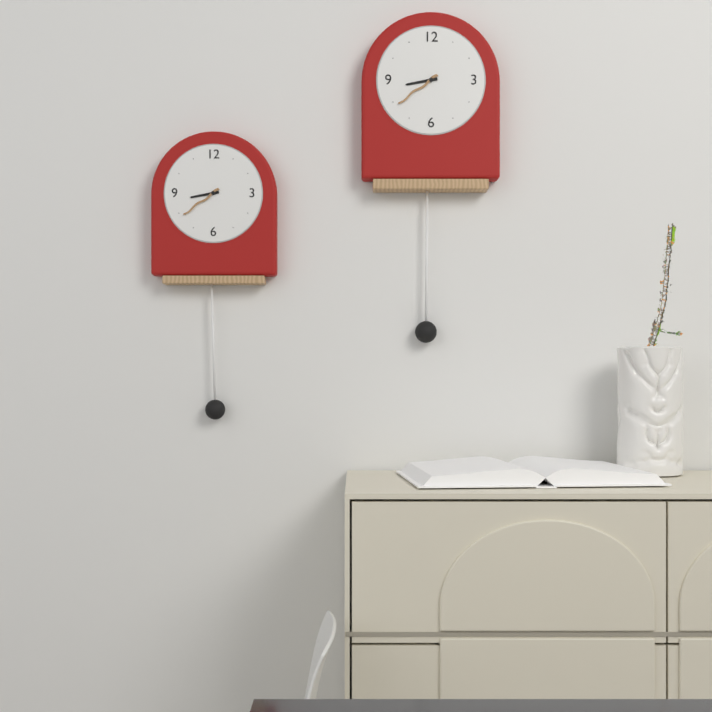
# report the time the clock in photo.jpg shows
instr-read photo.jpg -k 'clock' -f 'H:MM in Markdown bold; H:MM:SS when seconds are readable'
**8:39**
